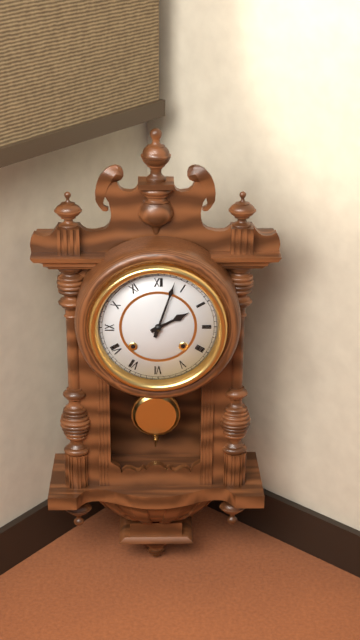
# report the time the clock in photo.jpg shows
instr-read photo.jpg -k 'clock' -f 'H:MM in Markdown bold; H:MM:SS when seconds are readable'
**2:03**
